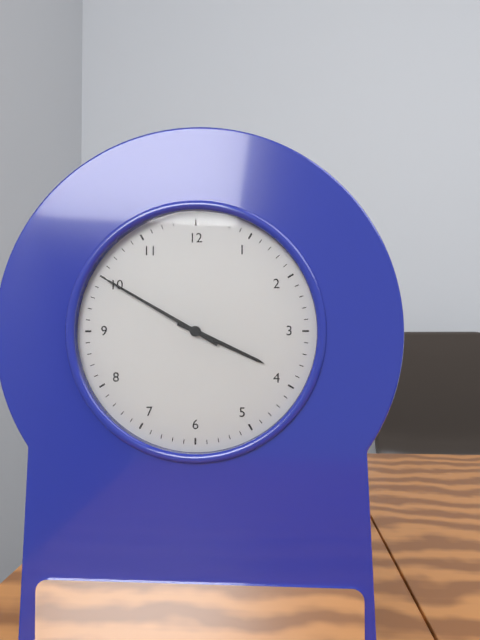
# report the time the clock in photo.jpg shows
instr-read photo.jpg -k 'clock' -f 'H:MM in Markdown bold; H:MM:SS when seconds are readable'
**3:50**
